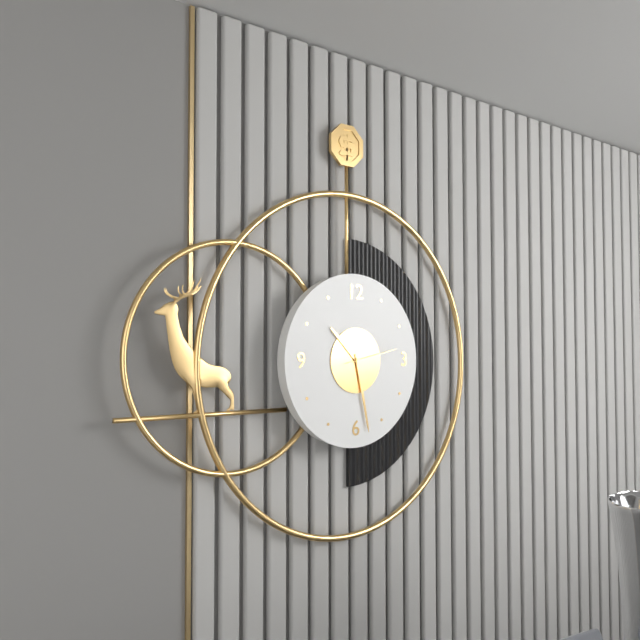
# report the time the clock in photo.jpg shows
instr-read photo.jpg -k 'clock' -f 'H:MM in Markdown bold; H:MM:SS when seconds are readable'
**10:28:13**
